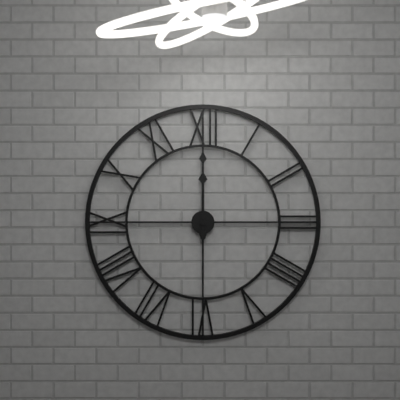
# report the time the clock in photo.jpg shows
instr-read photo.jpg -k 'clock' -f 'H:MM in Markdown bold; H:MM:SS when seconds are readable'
**12:00**
